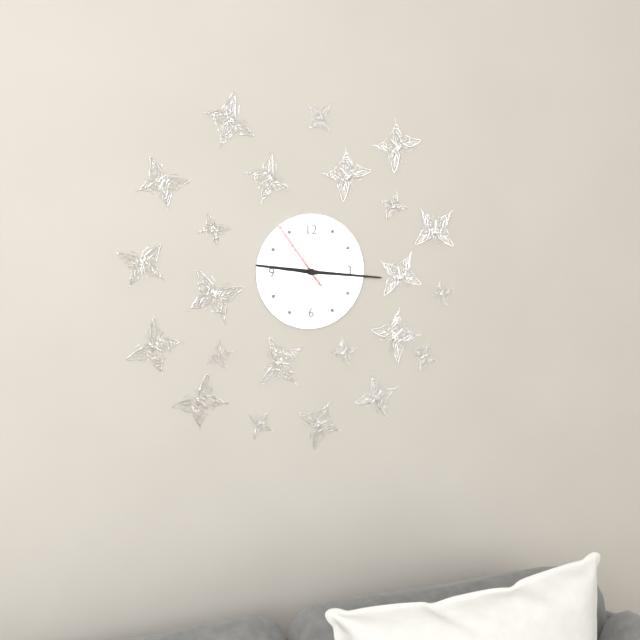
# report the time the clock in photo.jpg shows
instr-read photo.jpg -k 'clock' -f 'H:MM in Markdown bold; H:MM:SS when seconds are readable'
**9:16:54**
